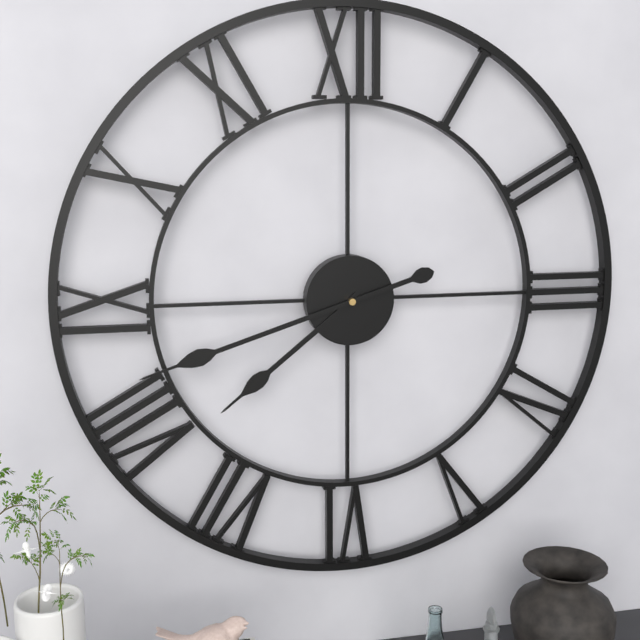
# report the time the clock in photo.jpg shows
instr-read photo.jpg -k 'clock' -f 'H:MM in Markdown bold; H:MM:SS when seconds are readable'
**7:42**
